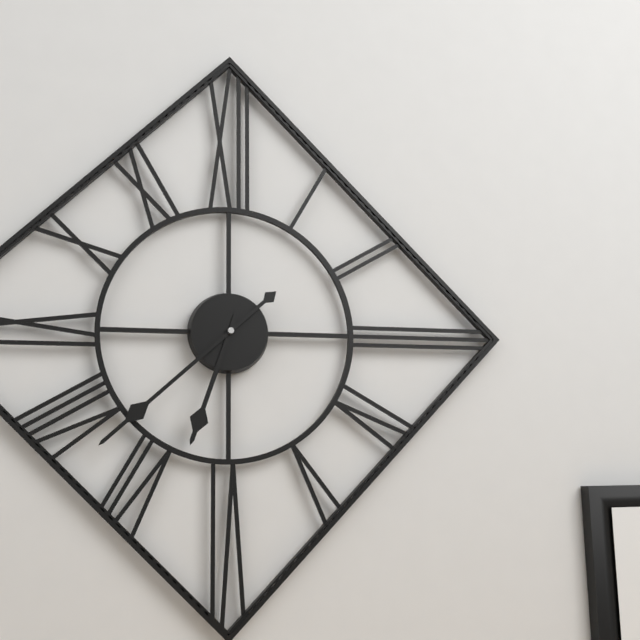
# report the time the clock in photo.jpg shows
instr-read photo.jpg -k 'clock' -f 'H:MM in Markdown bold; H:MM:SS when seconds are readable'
**6:38**
